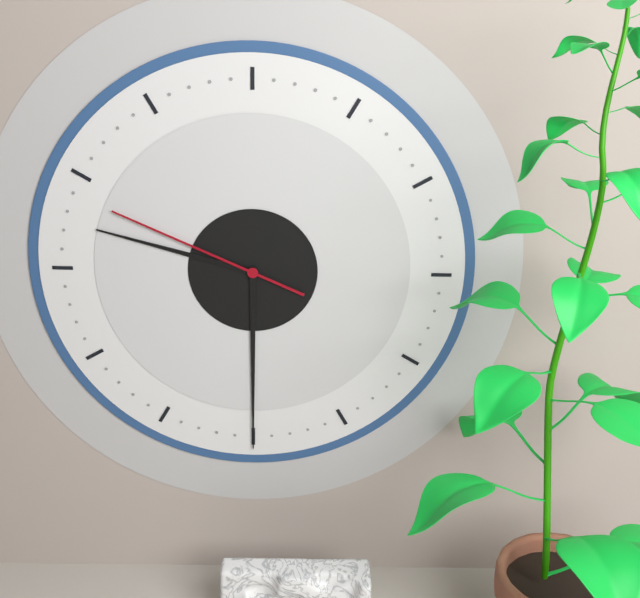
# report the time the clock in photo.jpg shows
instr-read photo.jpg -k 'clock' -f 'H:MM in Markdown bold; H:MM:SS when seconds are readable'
**9:30:49**
